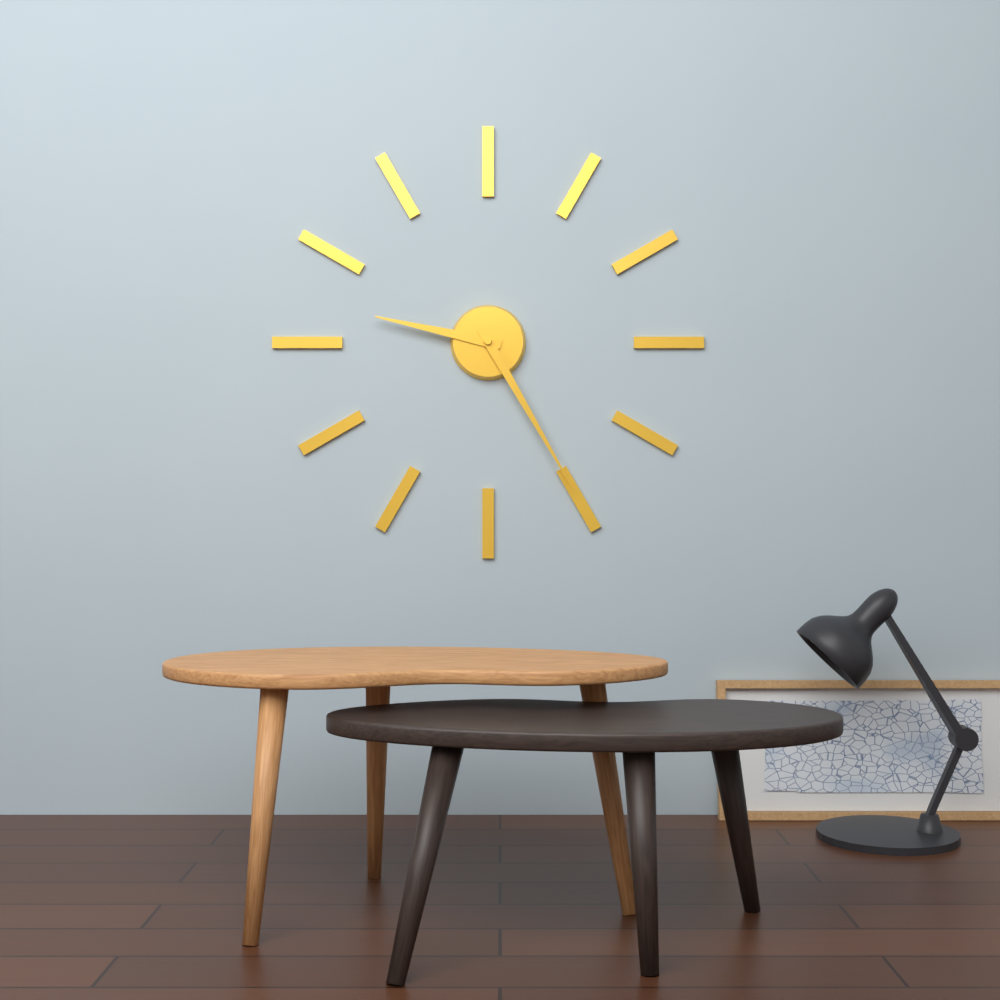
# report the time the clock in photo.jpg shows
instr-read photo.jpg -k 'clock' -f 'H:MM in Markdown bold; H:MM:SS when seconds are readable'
**9:25**
